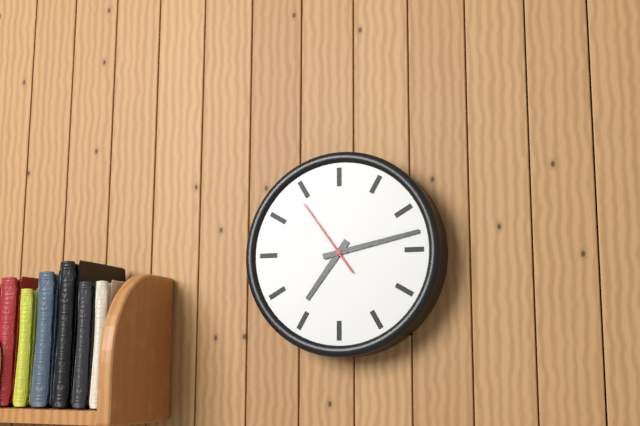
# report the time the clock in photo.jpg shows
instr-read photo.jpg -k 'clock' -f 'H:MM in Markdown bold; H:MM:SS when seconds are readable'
**7:13:54**
